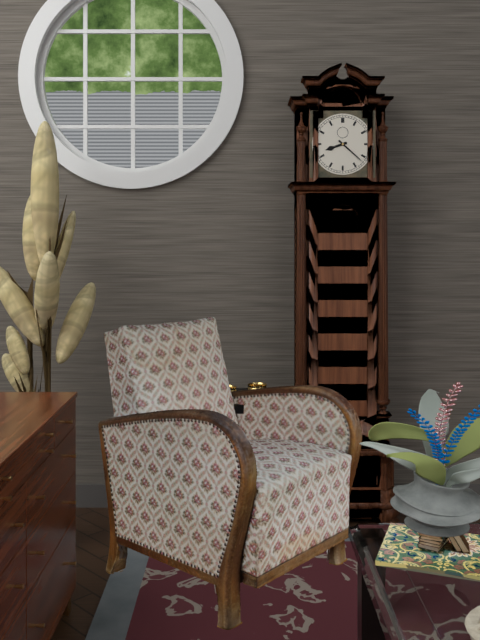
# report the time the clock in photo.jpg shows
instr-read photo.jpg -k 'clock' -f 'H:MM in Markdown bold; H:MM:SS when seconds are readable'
**8:22**
